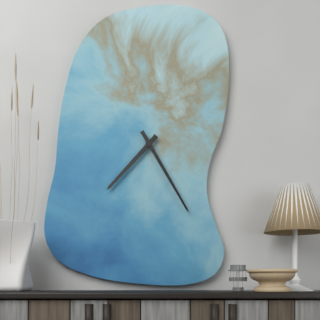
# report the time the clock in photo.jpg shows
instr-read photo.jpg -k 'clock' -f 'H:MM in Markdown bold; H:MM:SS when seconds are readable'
**7:25**
